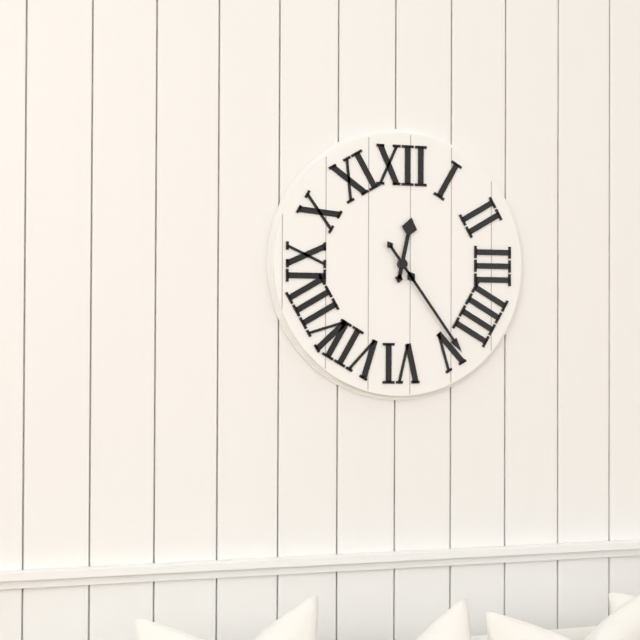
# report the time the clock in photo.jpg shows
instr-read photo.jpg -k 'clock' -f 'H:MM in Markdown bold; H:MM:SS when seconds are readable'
**12:24**
